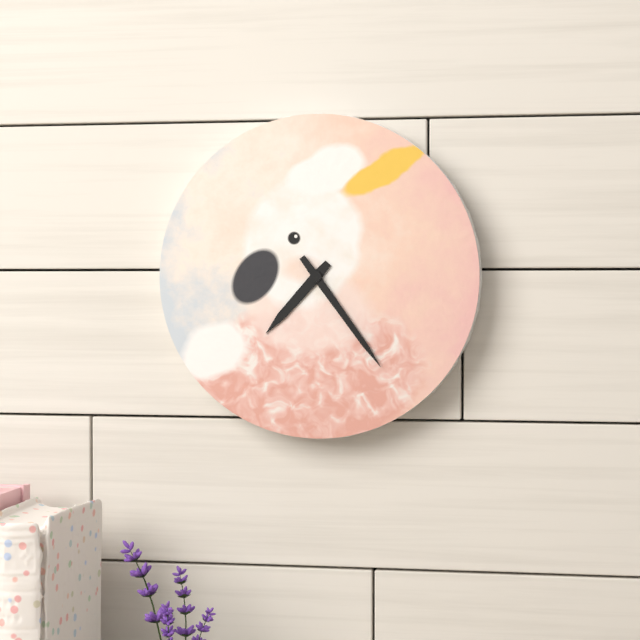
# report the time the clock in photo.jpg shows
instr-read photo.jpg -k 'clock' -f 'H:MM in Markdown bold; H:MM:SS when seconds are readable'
**7:24**
